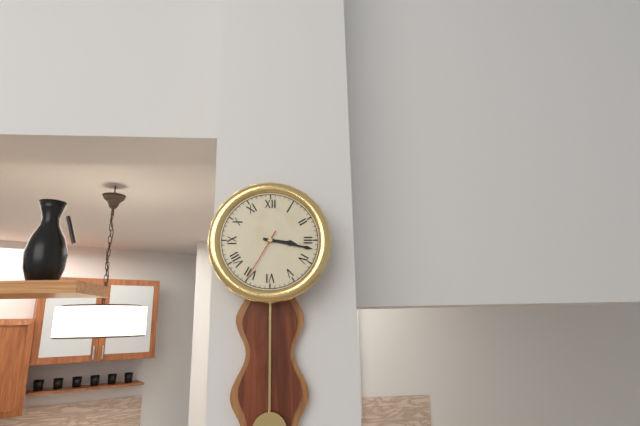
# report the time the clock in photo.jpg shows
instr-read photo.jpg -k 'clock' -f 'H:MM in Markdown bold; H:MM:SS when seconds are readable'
**3:17:35**
